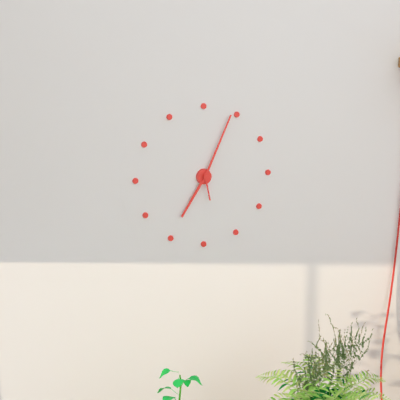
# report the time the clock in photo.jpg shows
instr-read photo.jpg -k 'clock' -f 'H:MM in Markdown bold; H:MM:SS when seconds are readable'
**7:04**
